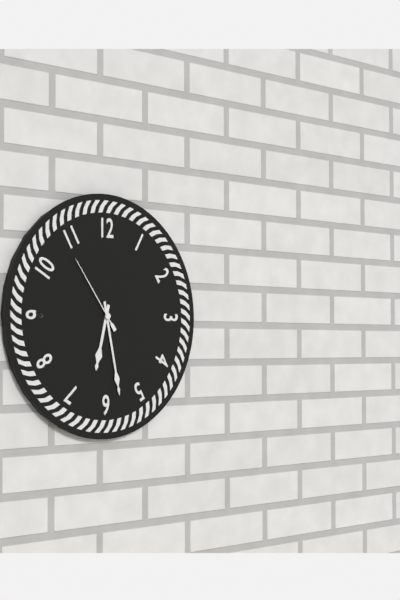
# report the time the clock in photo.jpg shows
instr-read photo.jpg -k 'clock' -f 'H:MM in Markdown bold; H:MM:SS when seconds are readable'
**6:28:54**
